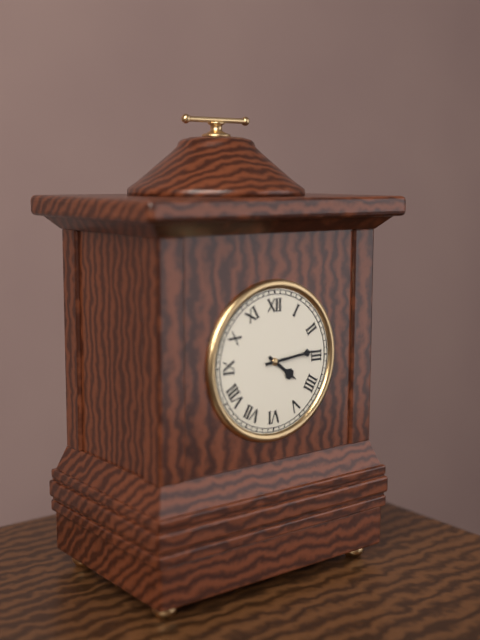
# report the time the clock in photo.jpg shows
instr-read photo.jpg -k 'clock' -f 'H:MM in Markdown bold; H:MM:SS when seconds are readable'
**4:14**
